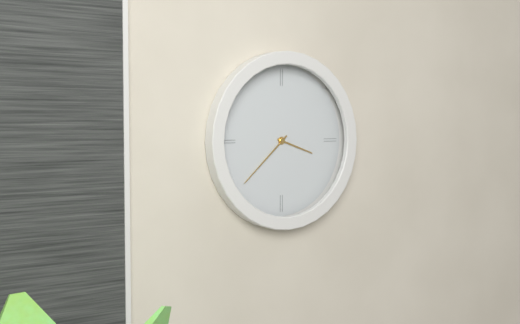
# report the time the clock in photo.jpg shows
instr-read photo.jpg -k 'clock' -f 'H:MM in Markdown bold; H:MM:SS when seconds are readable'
**3:38**
